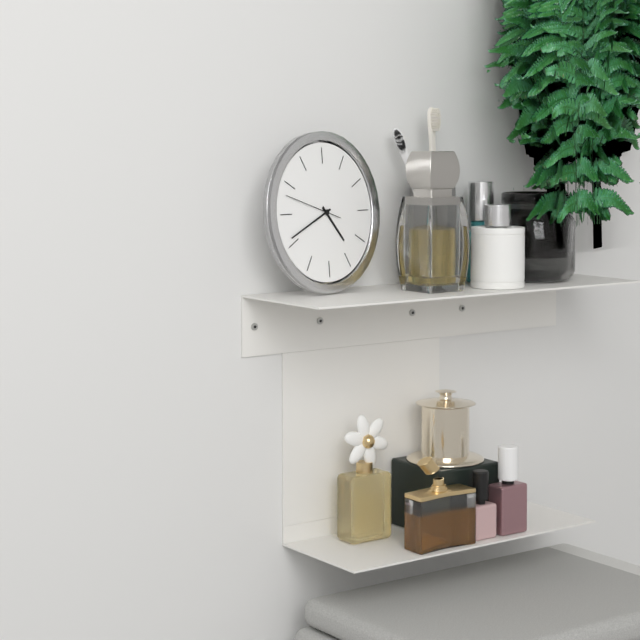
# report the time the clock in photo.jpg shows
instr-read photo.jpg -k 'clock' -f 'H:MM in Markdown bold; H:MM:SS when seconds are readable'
**4:41:48**
